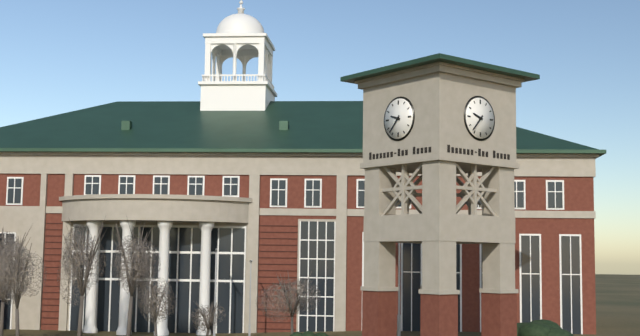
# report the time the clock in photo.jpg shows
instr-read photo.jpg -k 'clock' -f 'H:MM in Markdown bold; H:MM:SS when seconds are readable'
**9:37**
